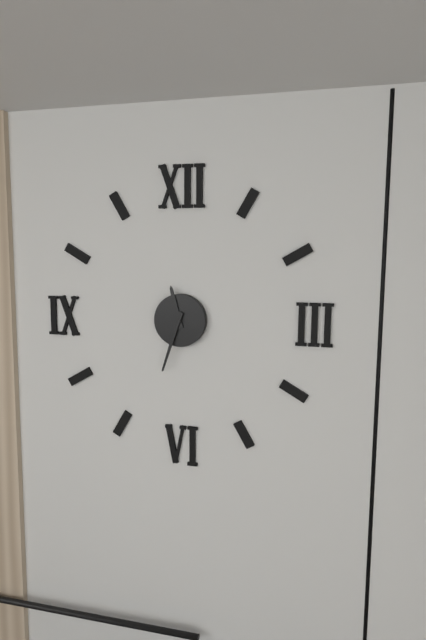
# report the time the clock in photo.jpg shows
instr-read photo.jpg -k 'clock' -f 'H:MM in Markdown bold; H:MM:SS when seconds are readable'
**11:33**
